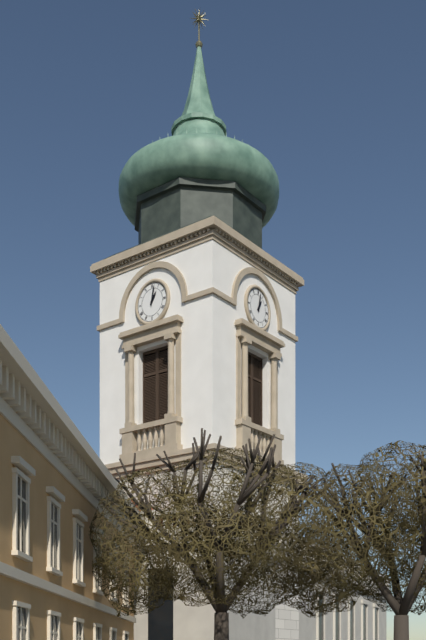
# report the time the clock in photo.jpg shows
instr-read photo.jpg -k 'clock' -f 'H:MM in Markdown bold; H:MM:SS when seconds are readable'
**1:02**
